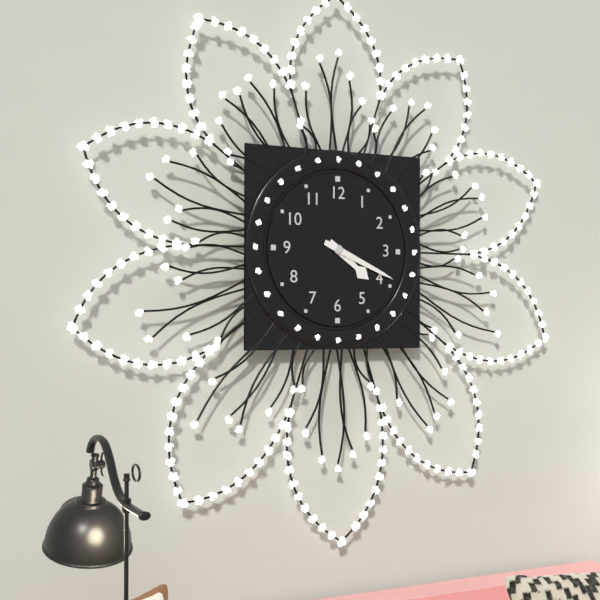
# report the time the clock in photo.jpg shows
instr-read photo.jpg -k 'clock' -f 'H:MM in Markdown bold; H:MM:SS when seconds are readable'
**4:19**
